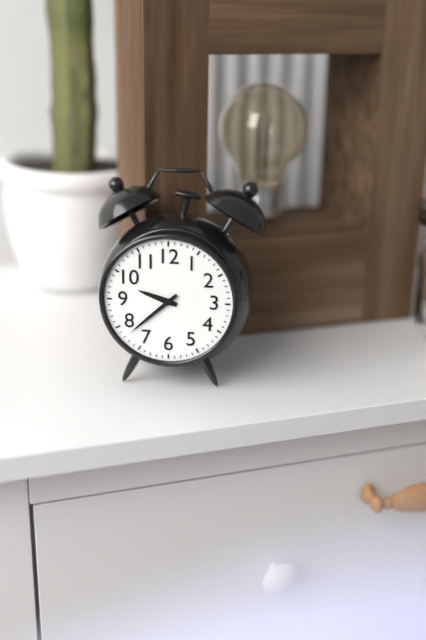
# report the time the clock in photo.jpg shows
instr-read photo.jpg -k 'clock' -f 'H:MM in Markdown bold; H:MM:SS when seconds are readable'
**9:38**
